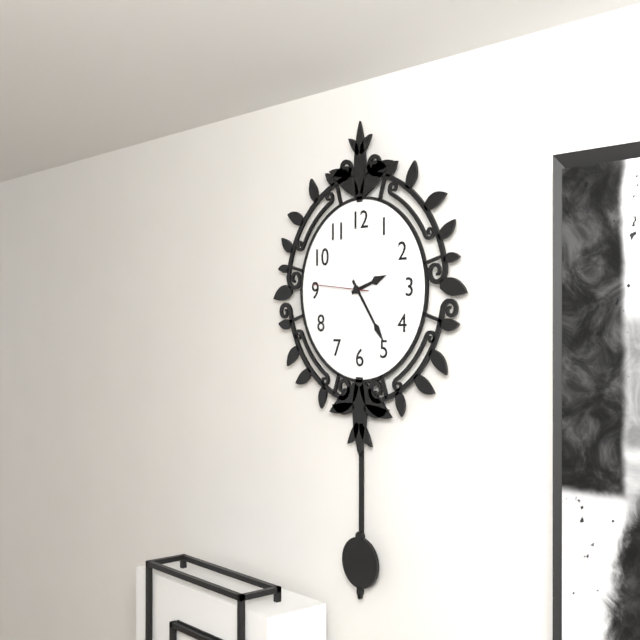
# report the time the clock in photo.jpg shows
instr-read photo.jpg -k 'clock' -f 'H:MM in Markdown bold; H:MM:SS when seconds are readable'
**2:24:46**
